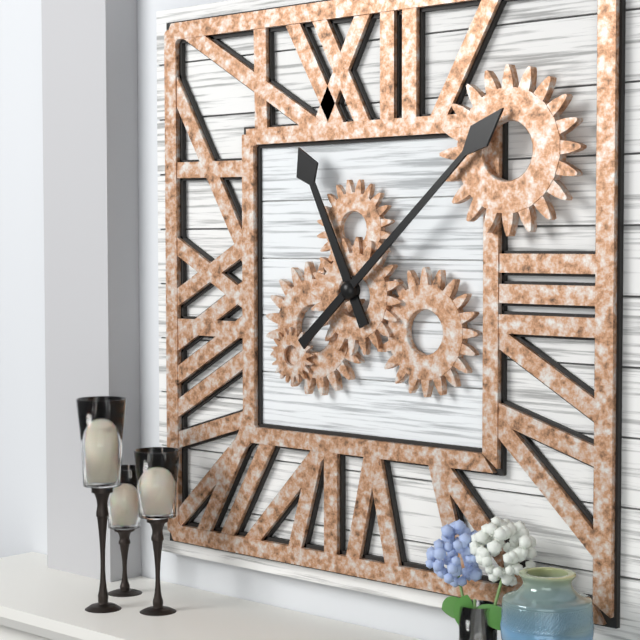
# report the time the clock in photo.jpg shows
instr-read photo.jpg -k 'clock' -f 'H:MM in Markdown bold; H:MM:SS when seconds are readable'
**11:08**
